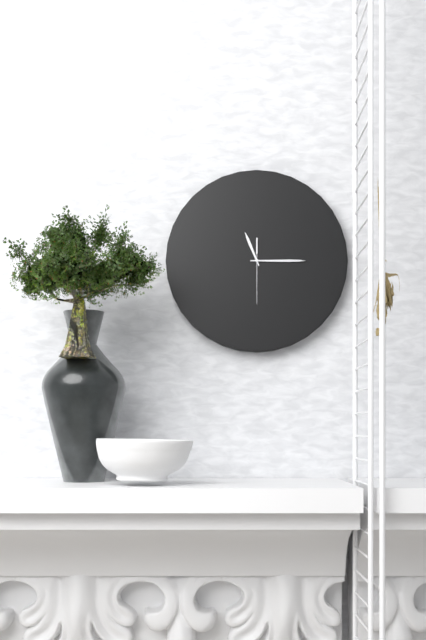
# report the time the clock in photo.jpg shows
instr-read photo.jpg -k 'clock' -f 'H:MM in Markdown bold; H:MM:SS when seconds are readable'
**11:15:30**
